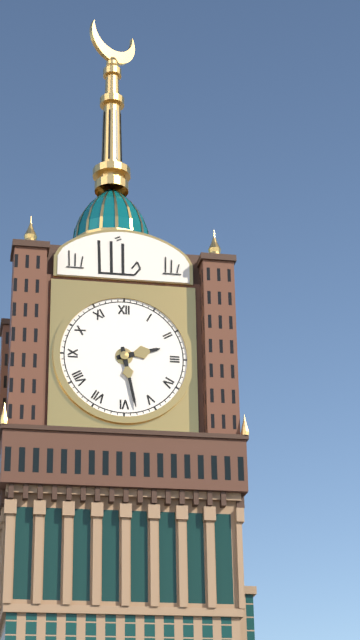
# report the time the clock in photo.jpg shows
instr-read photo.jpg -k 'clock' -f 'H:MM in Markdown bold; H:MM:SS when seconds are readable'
**2:28**
